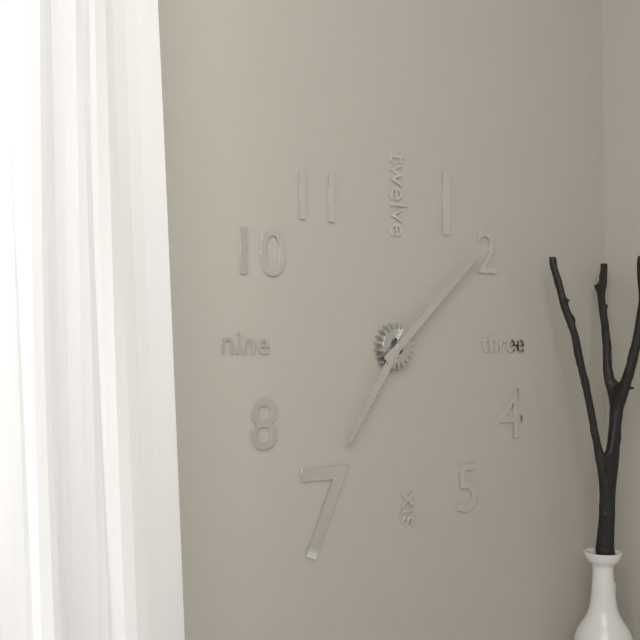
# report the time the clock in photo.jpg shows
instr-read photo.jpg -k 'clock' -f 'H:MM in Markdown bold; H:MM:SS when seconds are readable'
**7:08**
